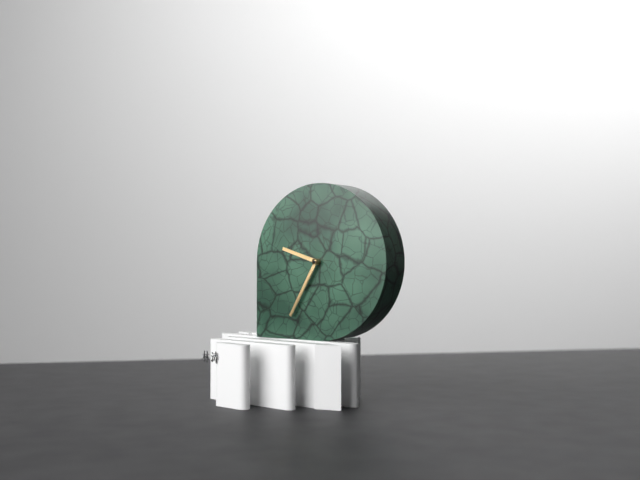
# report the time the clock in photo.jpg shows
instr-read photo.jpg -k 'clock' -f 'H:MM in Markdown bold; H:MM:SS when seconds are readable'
**9:35**
